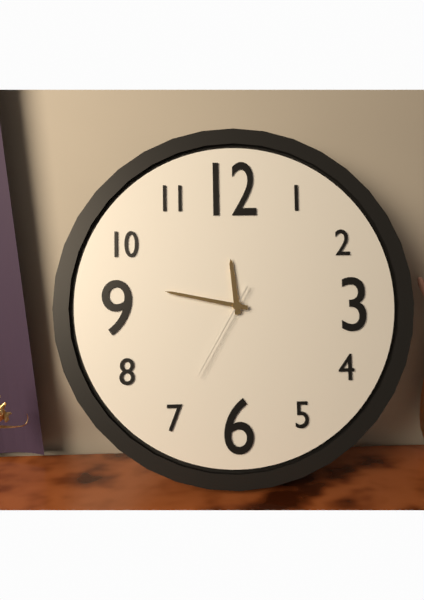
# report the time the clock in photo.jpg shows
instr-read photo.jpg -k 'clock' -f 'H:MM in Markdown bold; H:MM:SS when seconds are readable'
**11:47:35**
